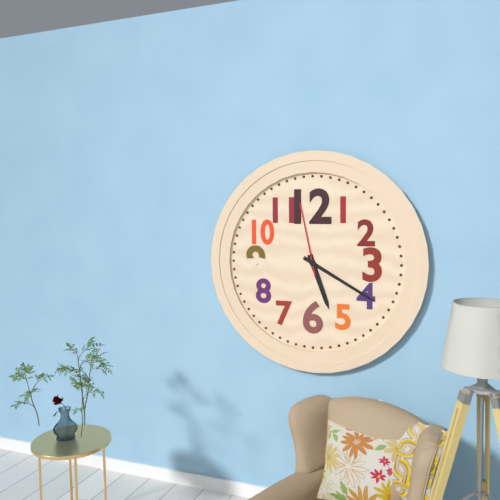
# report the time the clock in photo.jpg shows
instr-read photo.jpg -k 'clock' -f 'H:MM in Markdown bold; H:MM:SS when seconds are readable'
**5:20:58**
